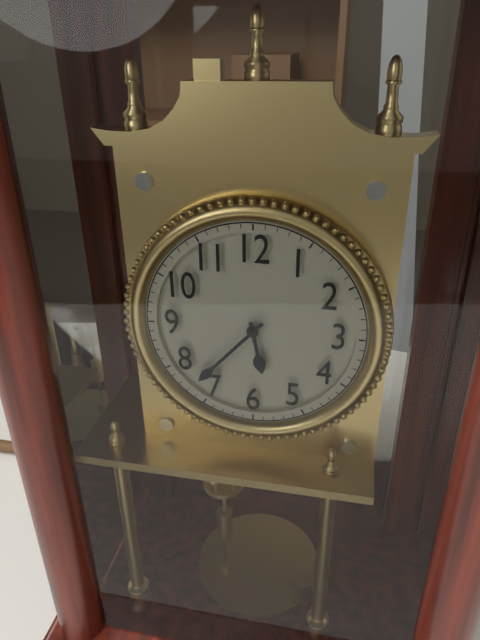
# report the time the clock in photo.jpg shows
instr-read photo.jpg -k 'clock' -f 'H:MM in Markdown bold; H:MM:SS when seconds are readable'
**5:37**
